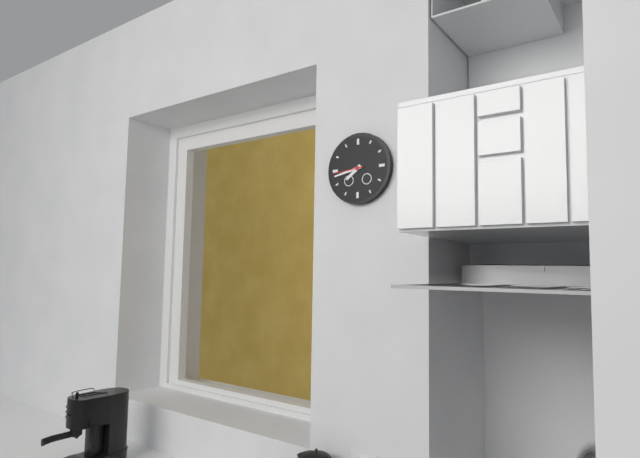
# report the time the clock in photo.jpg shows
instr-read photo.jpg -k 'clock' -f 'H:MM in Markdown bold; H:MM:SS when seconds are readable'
**7:43**
